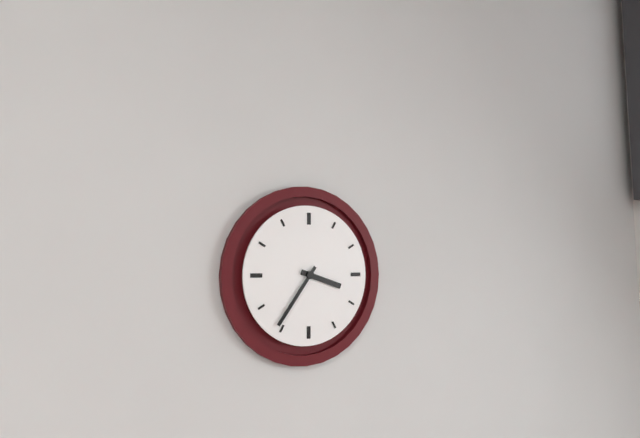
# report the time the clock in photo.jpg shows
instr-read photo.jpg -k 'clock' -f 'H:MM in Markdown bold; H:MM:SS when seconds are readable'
**3:36**
